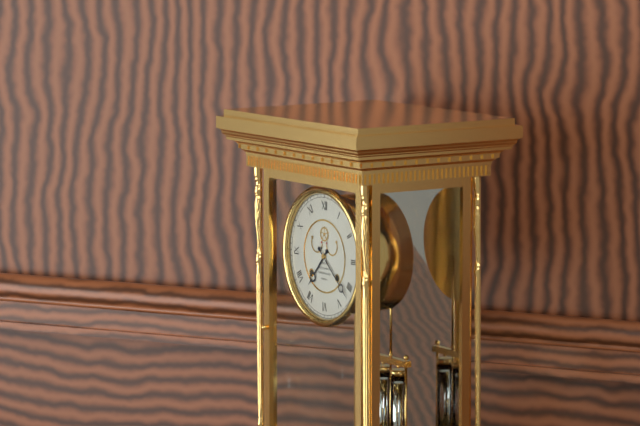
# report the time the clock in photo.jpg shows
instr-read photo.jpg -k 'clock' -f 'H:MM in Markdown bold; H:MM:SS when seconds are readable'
**7:22**
